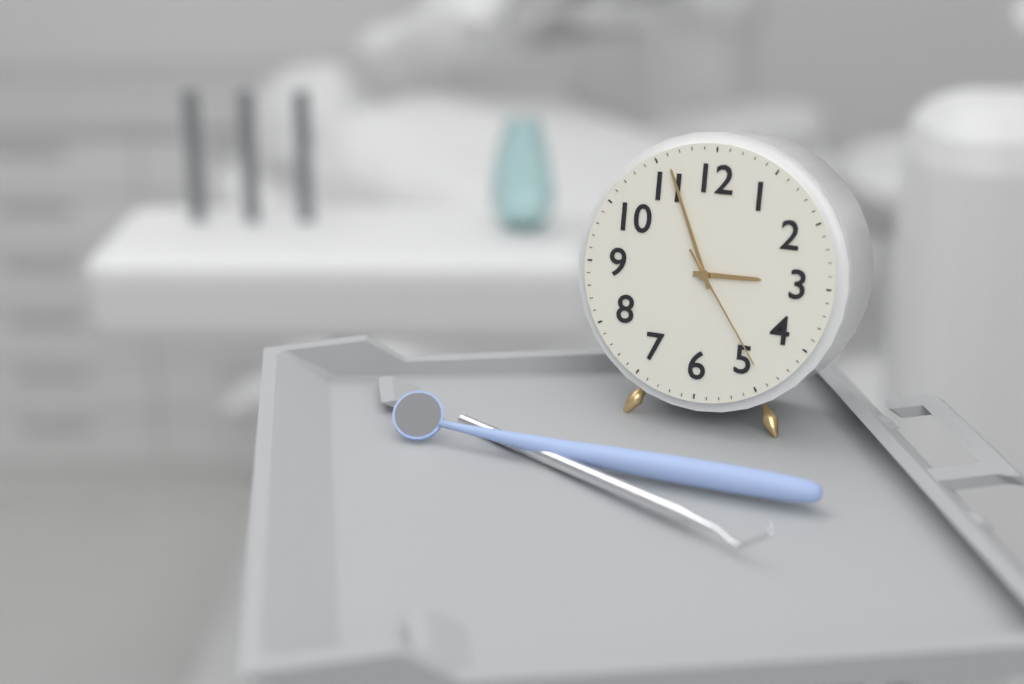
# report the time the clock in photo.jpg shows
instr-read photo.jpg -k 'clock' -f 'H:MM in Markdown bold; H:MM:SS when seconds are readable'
**2:56:24**
